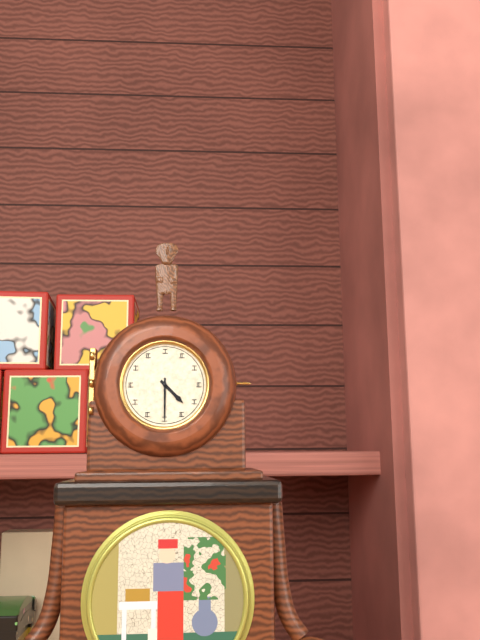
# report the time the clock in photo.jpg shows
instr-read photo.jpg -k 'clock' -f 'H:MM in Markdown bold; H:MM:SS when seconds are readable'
**4:30**
